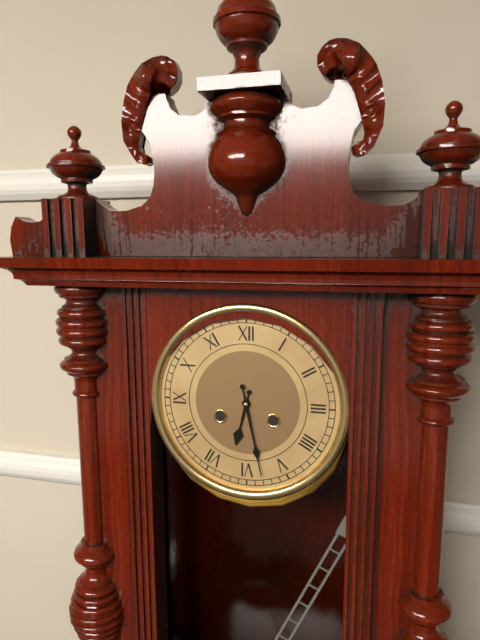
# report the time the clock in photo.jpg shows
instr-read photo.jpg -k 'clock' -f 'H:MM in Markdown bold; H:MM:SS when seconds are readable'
**6:28**
